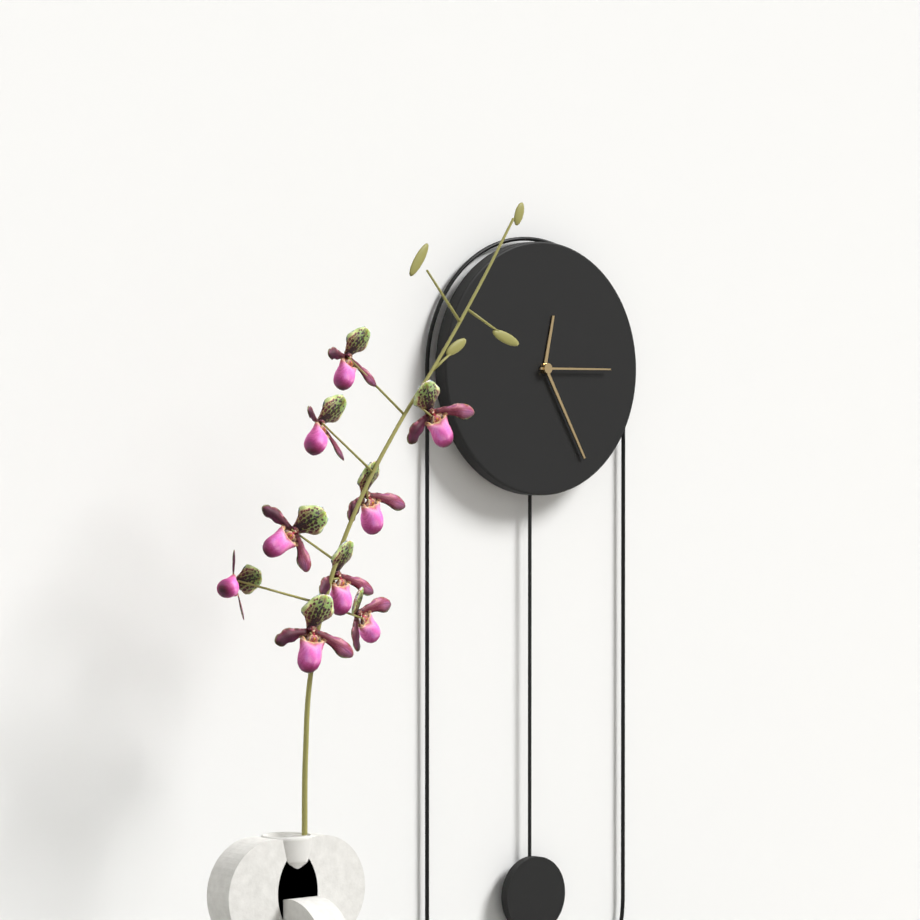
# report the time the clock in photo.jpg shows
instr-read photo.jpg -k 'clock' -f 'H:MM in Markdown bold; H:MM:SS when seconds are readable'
**12:25:15**
